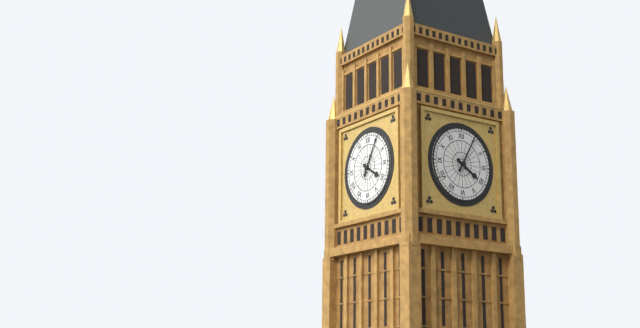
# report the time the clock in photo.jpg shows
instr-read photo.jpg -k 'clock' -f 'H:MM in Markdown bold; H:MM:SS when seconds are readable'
**4:05**
